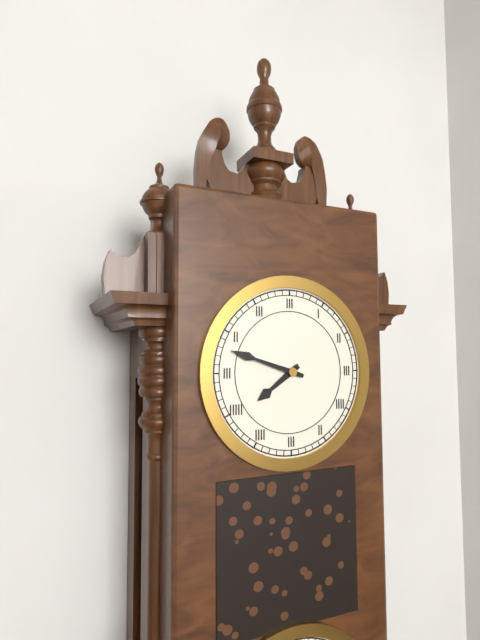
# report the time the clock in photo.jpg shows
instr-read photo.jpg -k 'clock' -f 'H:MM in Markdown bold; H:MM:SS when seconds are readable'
**7:48**
